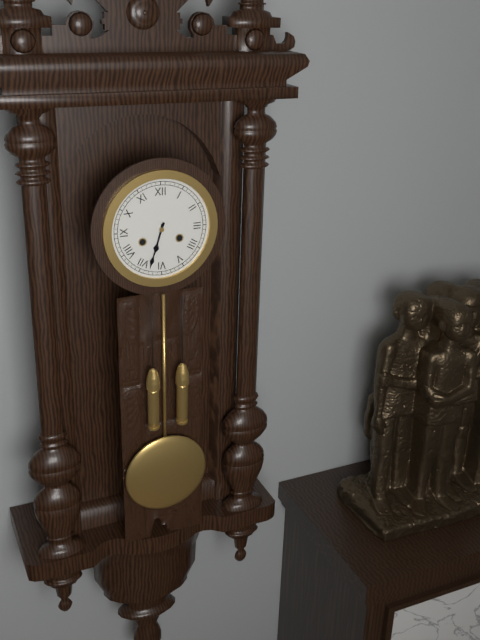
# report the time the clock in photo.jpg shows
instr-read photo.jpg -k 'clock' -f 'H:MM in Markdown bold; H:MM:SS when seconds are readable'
**6:33**
